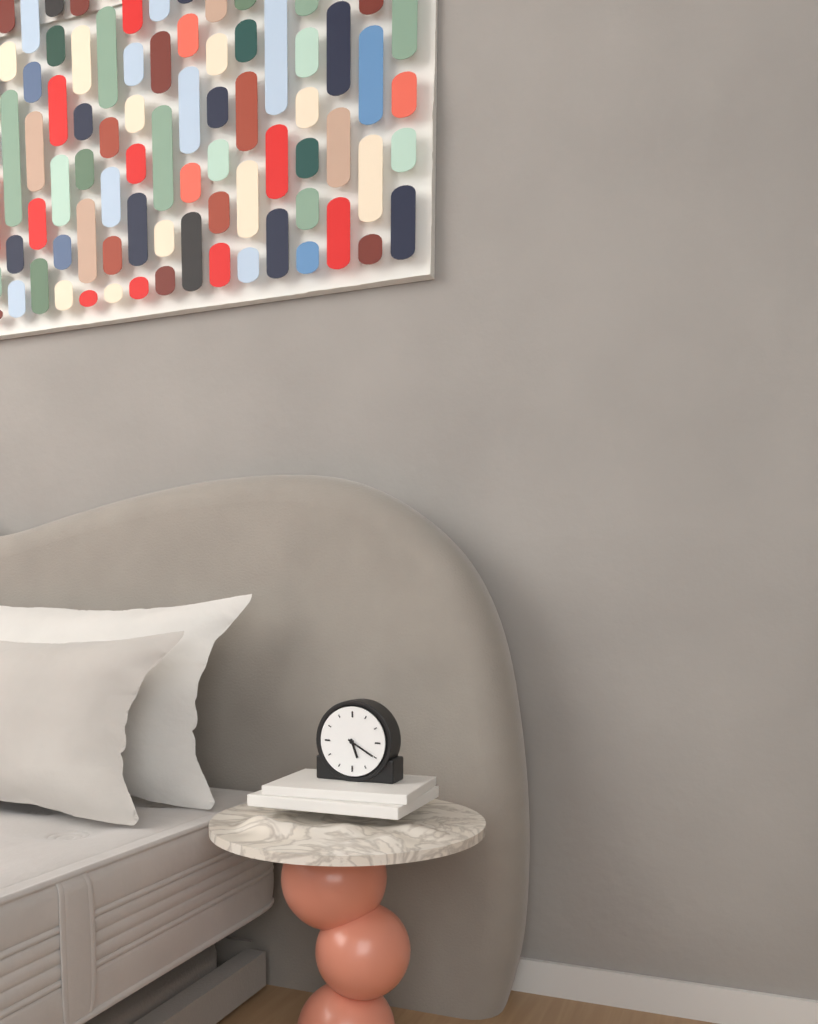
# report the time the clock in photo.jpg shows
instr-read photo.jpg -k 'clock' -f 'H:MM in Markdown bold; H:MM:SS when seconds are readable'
**5:20**
